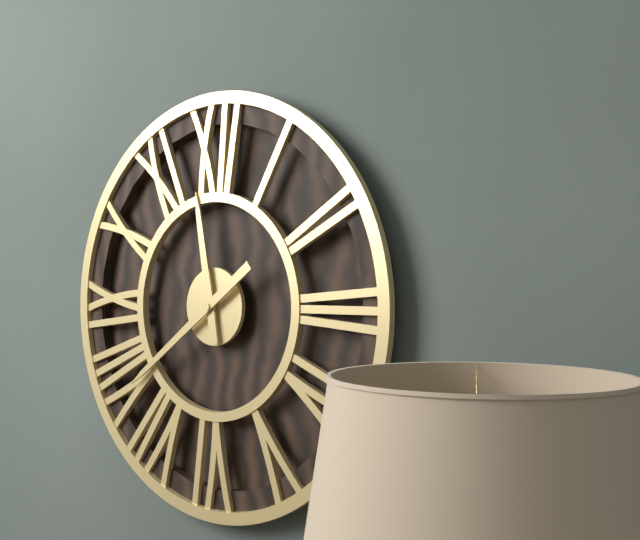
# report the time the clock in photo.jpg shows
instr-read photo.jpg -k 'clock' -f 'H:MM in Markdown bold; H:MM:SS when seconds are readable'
**11:39**
